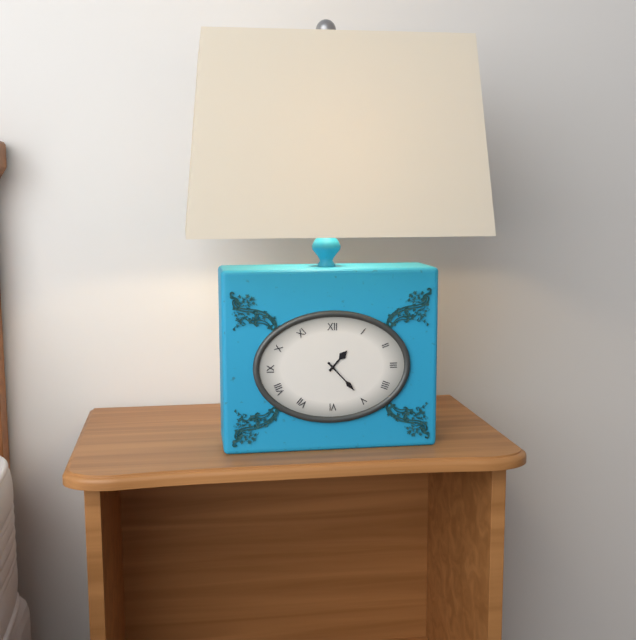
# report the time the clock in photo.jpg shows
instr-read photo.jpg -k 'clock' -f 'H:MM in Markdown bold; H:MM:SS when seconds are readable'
**1:23**
